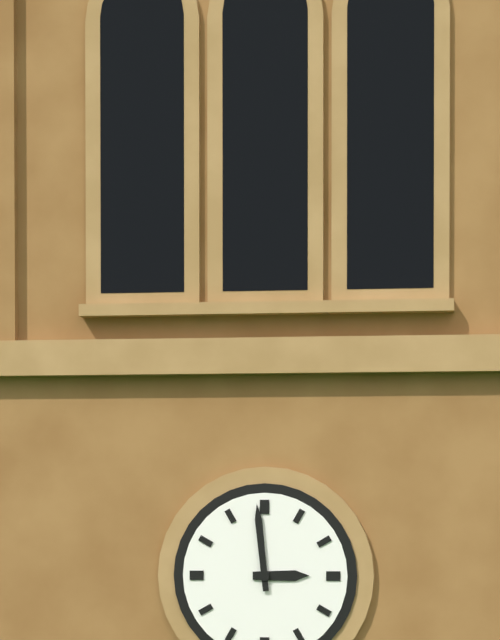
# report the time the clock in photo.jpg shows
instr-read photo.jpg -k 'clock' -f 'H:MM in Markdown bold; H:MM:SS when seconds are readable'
**2:59**
